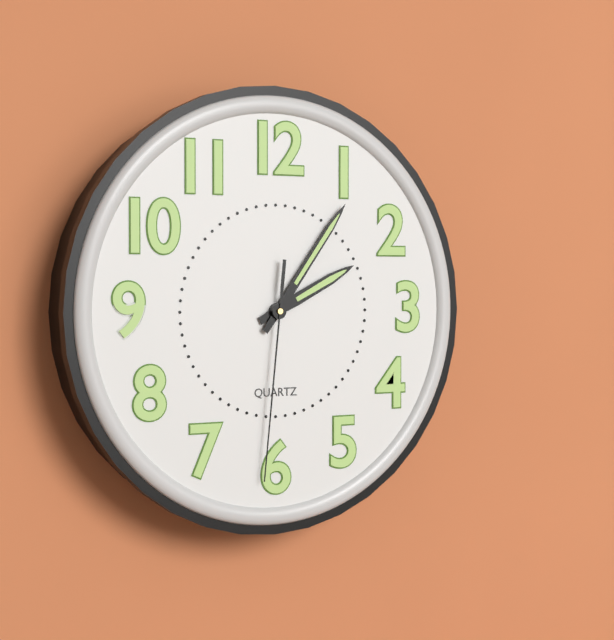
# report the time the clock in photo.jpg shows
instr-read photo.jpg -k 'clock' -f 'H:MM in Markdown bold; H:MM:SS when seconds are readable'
**2:06:31**
